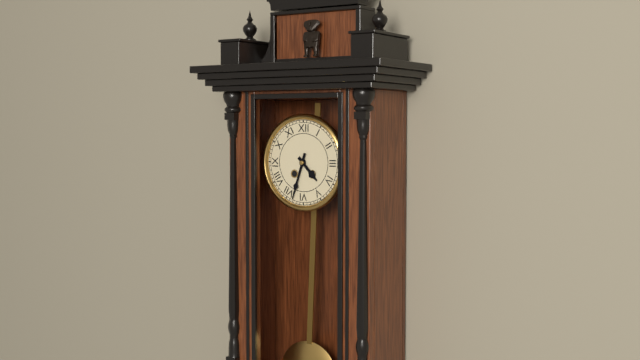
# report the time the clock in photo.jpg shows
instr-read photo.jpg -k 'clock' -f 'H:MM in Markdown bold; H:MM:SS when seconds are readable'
**4:33**
